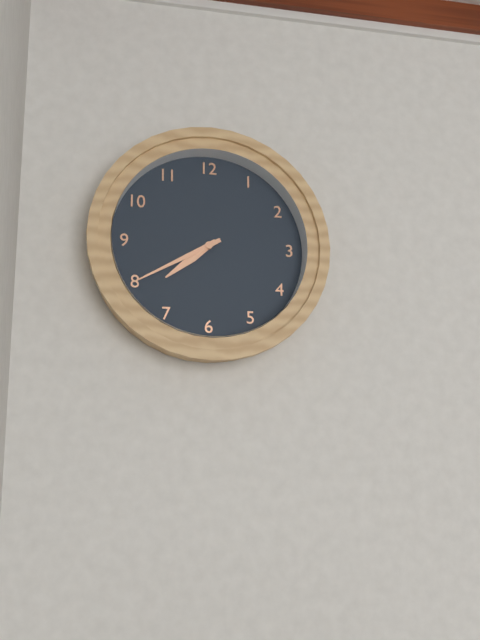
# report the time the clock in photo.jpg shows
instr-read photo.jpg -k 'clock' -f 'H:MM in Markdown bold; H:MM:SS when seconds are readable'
**7:40**
